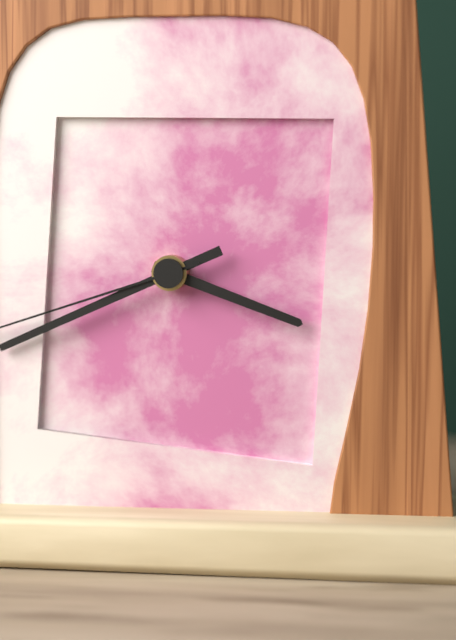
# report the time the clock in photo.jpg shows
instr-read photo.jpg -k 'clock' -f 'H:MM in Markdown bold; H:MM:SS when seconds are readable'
**3:41**
